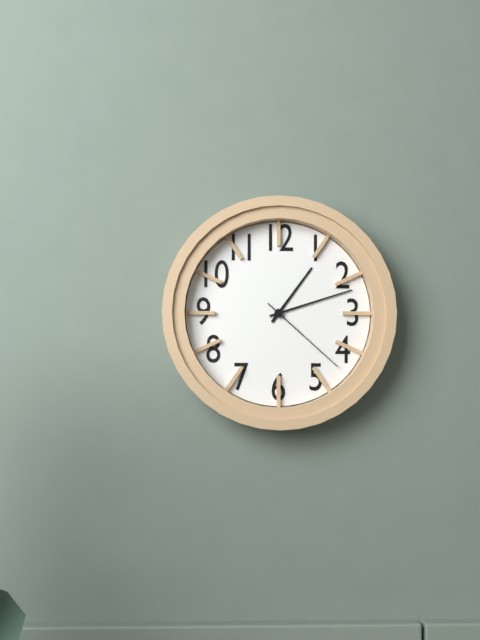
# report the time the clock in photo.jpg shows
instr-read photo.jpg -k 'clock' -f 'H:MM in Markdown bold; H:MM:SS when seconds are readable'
**1:12:22**
